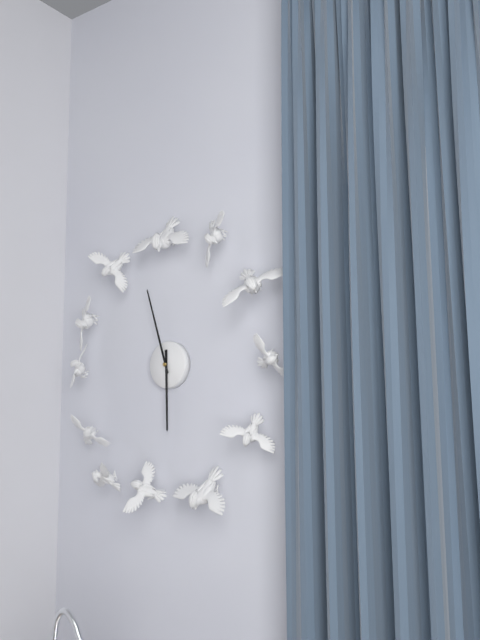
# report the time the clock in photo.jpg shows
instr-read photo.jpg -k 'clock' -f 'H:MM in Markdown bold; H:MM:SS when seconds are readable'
**5:57**
